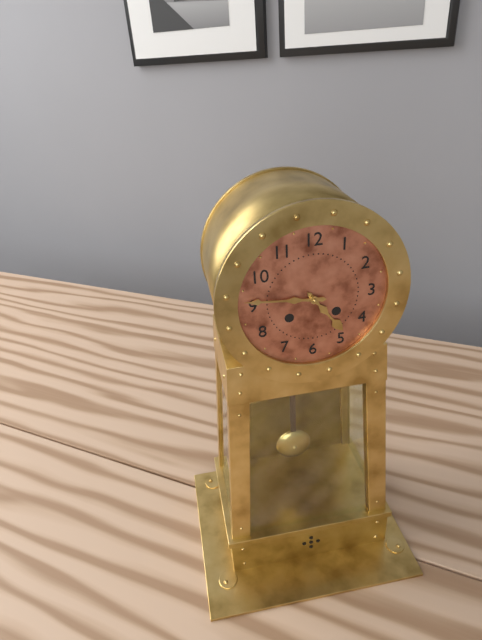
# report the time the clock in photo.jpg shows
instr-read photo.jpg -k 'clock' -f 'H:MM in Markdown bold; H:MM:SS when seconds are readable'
**4:46**
